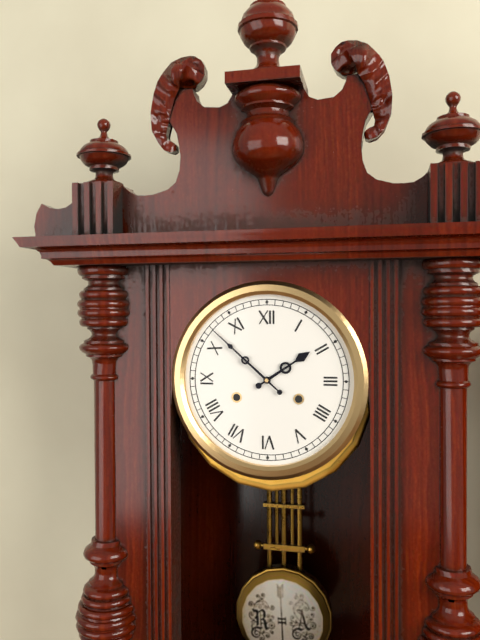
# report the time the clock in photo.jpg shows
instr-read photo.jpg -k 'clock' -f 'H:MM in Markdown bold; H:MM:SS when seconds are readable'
**1:52**
